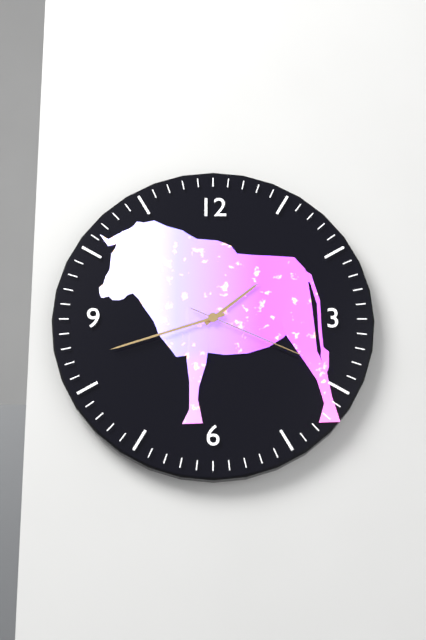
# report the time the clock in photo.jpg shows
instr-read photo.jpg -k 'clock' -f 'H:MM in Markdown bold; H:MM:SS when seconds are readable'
**1:42:19**
